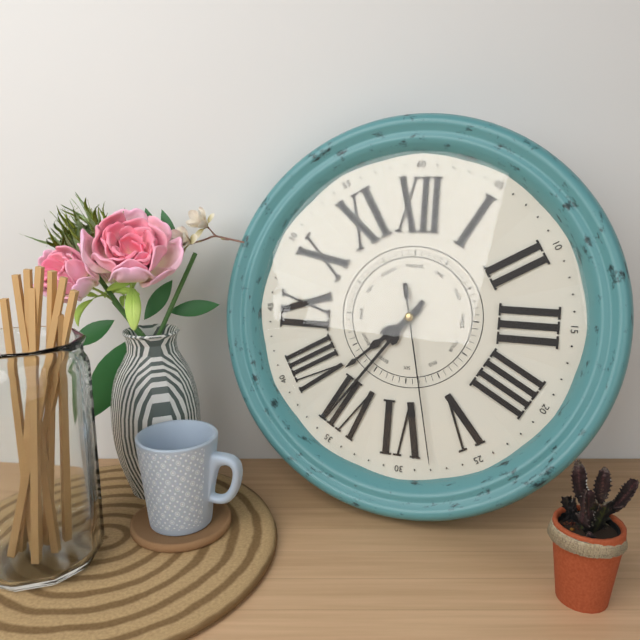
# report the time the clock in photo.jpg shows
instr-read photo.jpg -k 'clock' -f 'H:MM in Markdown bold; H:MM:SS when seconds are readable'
**7:36:28**
